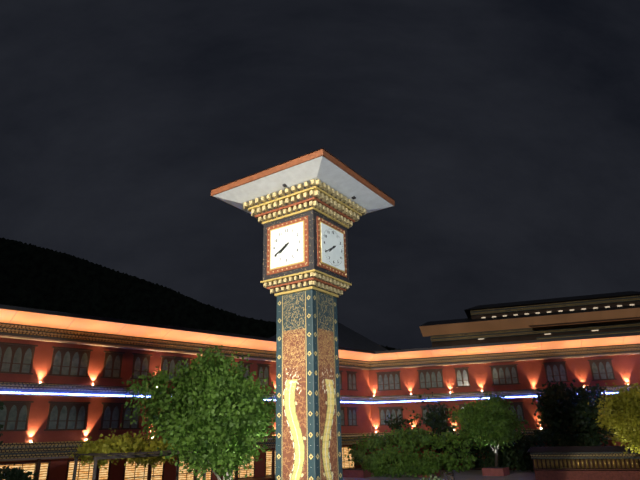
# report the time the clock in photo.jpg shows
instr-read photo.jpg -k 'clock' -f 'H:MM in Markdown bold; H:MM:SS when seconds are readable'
**7:40**
